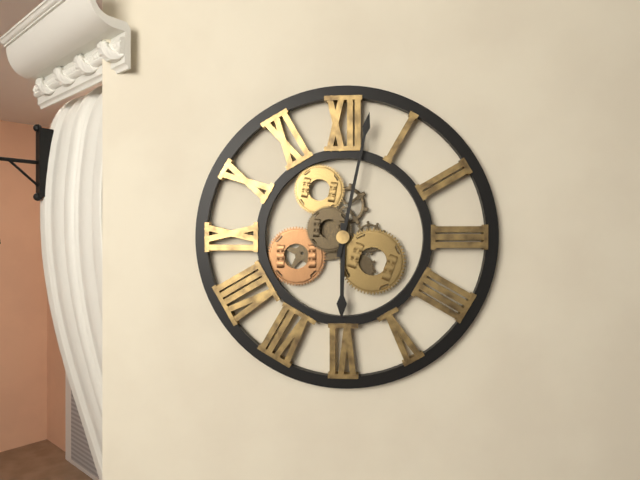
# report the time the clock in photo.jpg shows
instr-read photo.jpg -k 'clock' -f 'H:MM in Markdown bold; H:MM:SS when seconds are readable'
**6:02**
